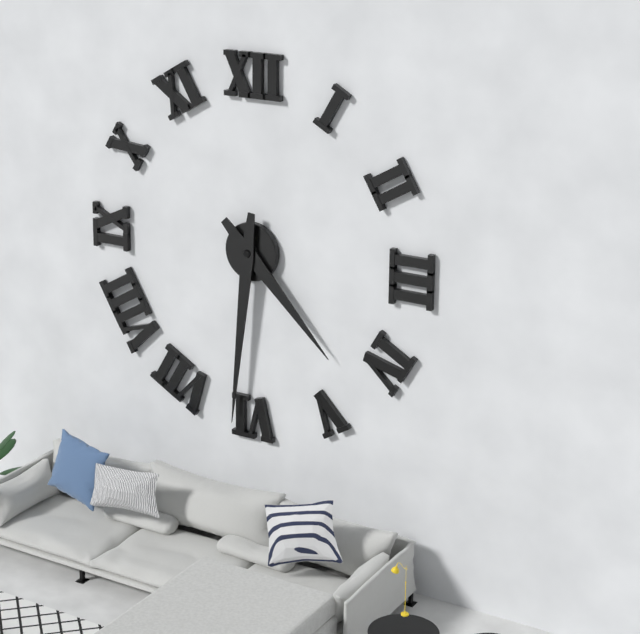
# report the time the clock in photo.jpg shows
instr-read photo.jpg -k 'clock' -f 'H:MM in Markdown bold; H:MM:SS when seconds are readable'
**4:31**
